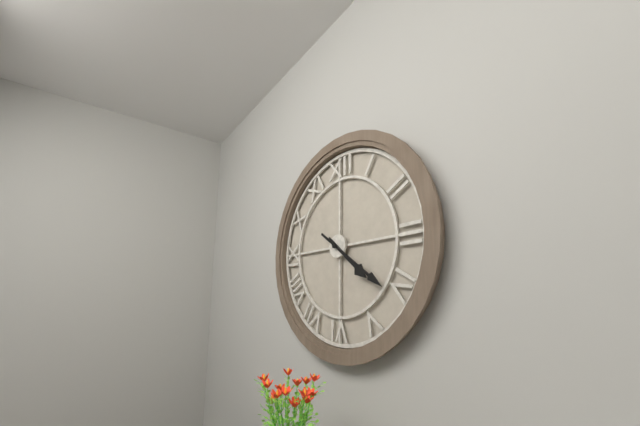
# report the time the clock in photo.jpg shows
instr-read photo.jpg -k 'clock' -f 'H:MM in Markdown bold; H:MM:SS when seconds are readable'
**4:21**
